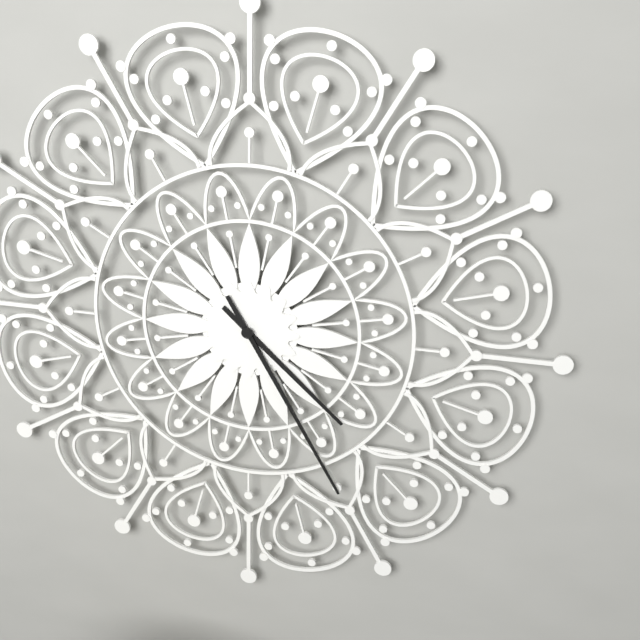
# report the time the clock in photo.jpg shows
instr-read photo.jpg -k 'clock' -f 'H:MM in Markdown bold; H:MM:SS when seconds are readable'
**4:25**
